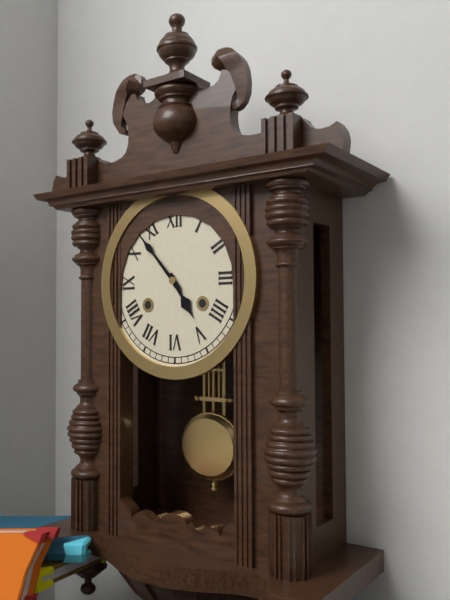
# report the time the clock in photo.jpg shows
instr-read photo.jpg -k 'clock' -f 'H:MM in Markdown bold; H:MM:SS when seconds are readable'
**4:53**
